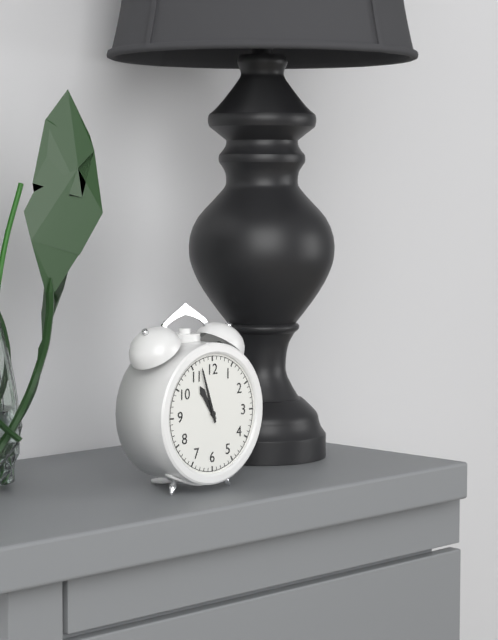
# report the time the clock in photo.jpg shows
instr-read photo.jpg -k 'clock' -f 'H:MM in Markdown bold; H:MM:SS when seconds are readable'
**10:57**
